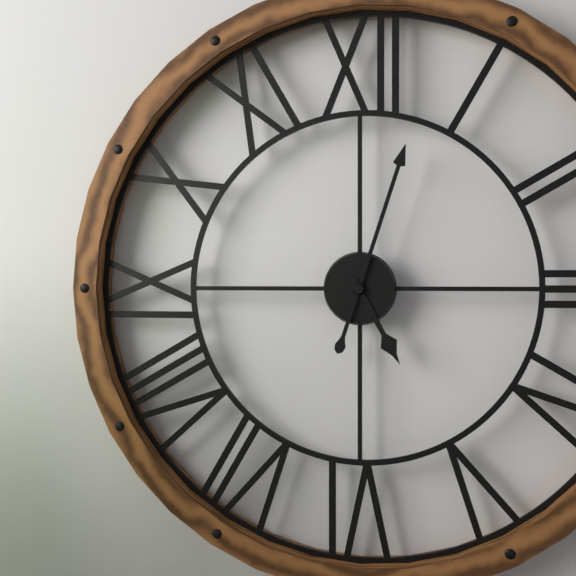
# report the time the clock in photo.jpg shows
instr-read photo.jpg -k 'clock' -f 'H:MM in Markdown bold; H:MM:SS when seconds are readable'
**5:03**
